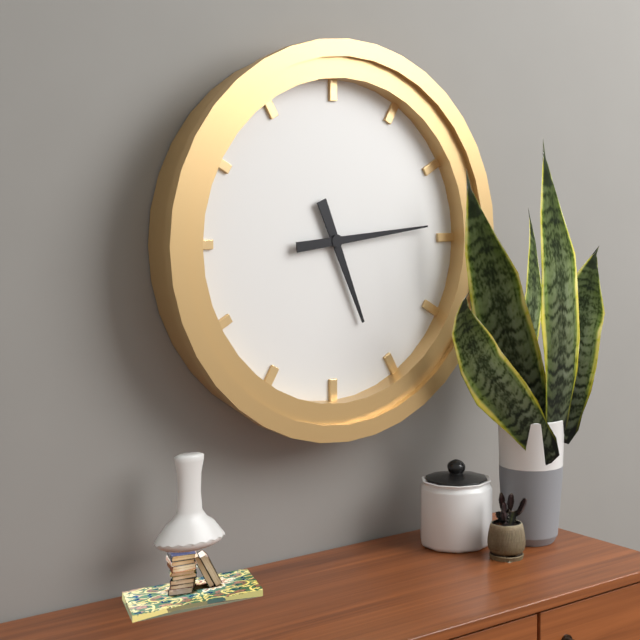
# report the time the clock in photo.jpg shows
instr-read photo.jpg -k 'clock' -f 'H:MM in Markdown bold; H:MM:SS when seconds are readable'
**5:14**
